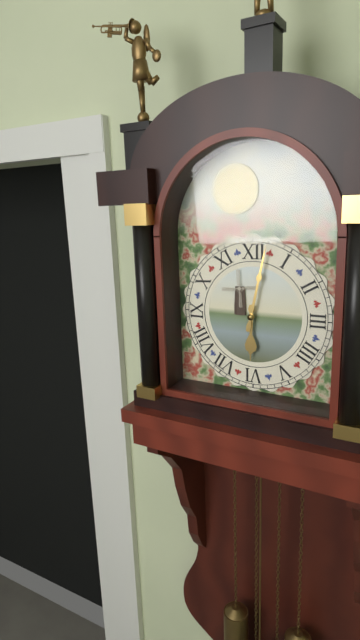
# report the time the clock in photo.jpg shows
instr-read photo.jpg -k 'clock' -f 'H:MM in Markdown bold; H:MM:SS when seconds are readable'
**6:02**
